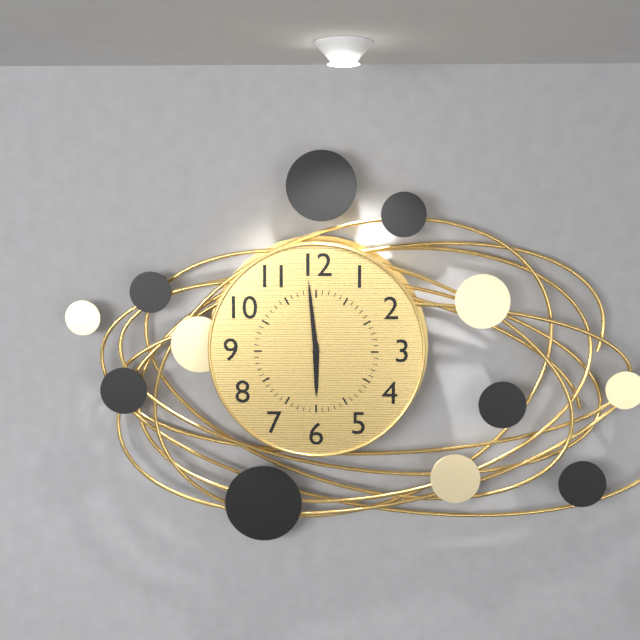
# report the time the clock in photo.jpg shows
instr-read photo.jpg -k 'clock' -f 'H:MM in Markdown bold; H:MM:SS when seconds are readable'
**5:59**
